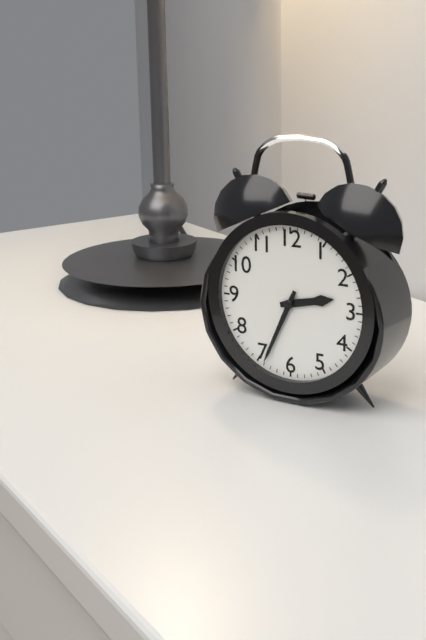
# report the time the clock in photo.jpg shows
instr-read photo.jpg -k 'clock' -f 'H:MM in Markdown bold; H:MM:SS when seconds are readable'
**2:34**
